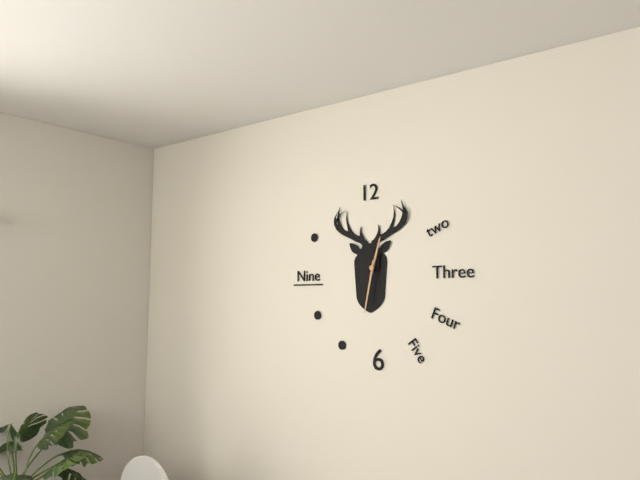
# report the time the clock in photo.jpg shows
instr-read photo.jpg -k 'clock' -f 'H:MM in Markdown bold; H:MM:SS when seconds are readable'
**12:32**
